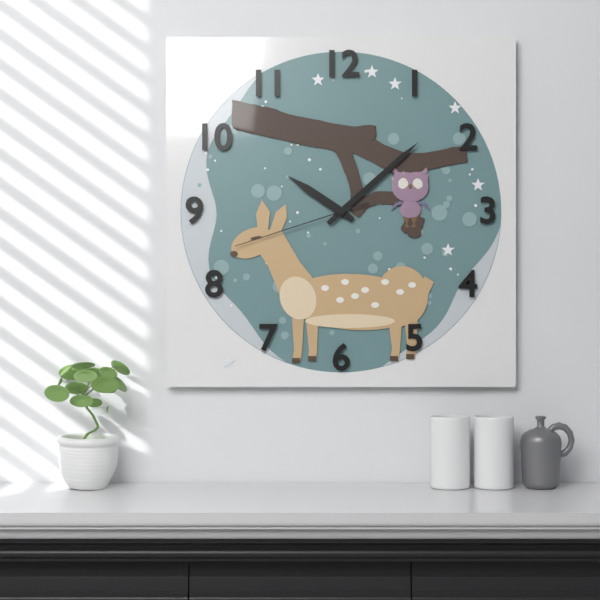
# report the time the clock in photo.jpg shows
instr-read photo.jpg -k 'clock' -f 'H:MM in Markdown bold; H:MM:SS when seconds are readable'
**10:08:42**
